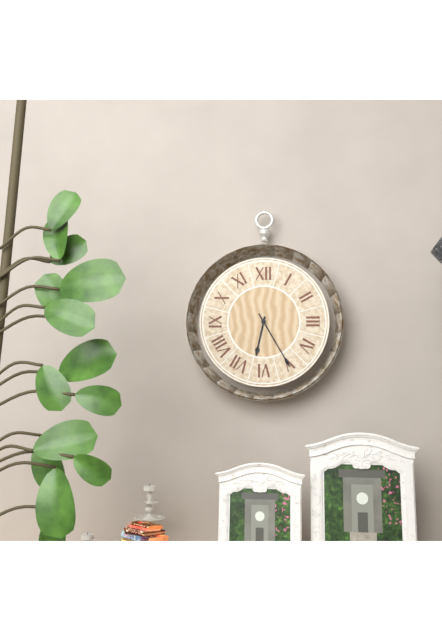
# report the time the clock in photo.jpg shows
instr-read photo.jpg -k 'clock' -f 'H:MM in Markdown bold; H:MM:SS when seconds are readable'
**6:25**
